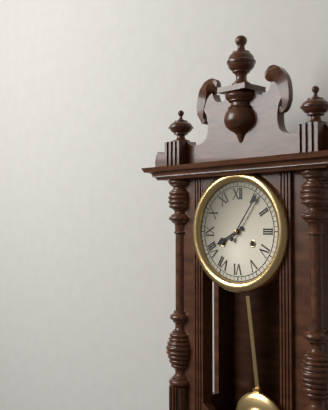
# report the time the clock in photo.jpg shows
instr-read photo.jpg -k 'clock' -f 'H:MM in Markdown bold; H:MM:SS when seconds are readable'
**8:06**
